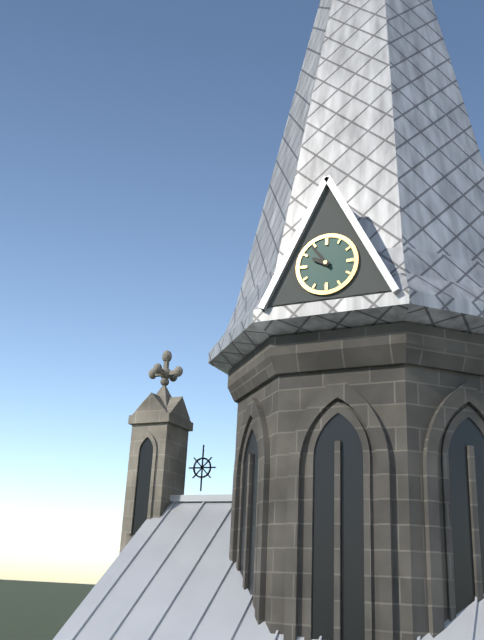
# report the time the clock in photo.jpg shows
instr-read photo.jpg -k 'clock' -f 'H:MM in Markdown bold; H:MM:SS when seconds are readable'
**9:54**
